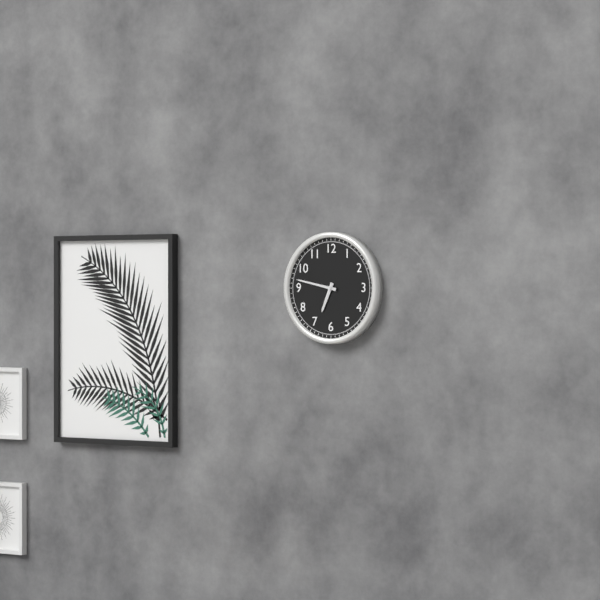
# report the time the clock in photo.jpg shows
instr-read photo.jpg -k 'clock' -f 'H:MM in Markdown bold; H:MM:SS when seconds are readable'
**6:47**
